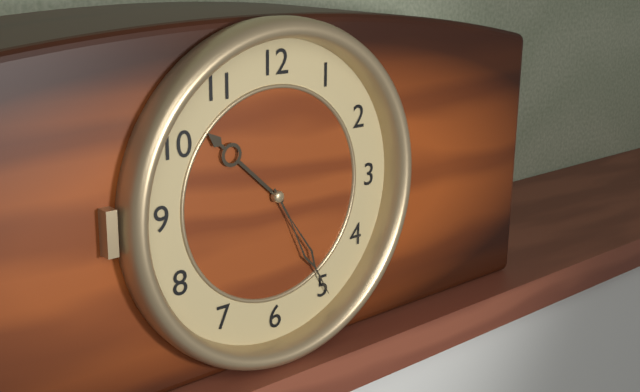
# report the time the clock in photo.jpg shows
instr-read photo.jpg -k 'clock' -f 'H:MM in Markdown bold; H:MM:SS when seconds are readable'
**10:25**
